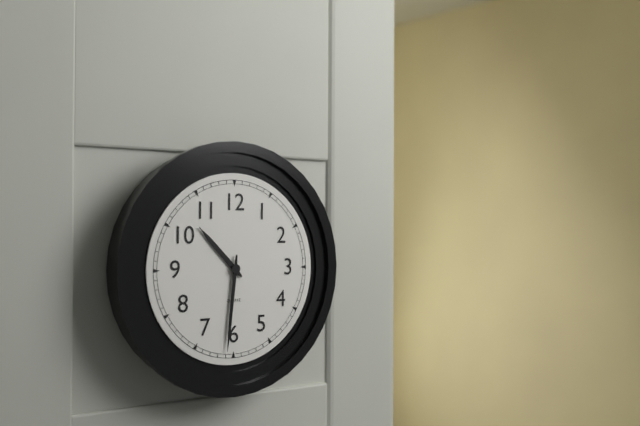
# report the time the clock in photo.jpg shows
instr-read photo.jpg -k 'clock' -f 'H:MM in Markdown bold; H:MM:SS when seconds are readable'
**10:31**
